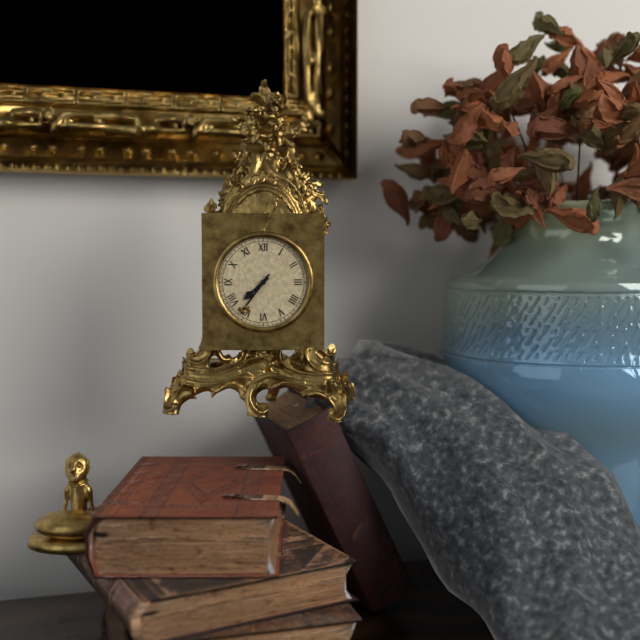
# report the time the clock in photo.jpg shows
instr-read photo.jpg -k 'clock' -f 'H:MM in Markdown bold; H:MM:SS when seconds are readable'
**7:36**
